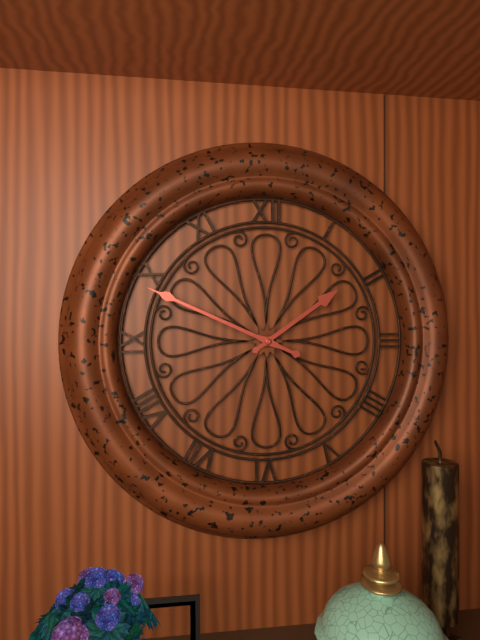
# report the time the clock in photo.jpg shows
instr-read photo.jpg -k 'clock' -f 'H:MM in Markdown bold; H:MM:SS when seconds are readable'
**1:49**
